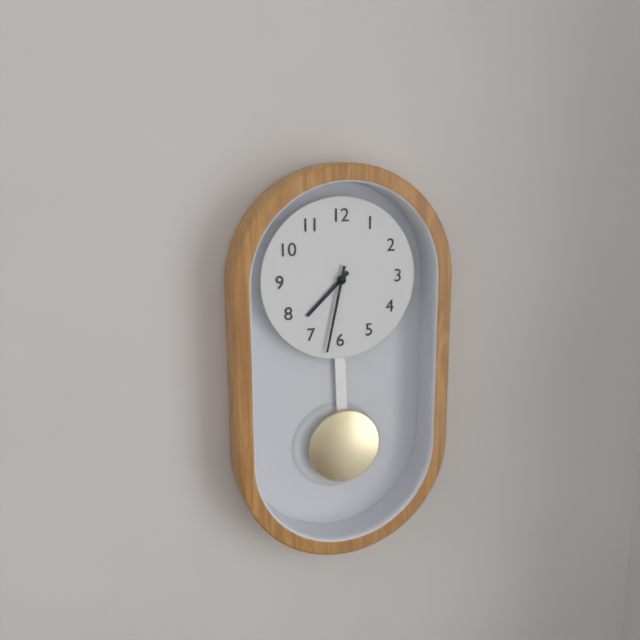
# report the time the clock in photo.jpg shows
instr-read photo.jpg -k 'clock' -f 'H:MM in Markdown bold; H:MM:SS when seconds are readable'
**7:32**
